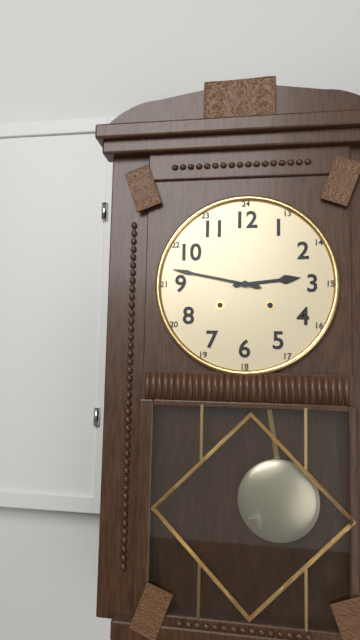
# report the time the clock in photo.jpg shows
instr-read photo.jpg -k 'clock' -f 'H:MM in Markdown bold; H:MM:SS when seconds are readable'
**2:47**
